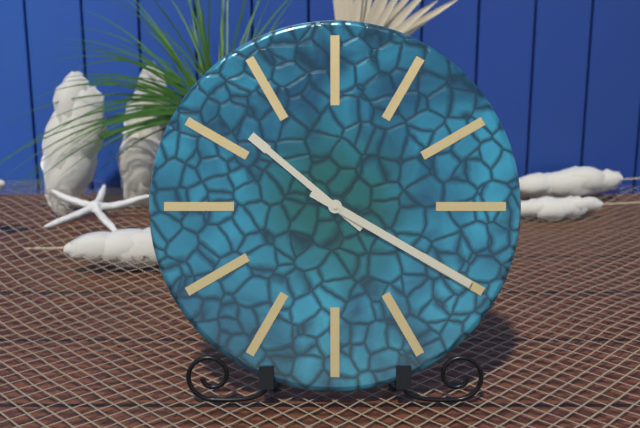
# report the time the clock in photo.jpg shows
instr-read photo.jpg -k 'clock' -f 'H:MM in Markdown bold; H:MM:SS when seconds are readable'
**10:20**
